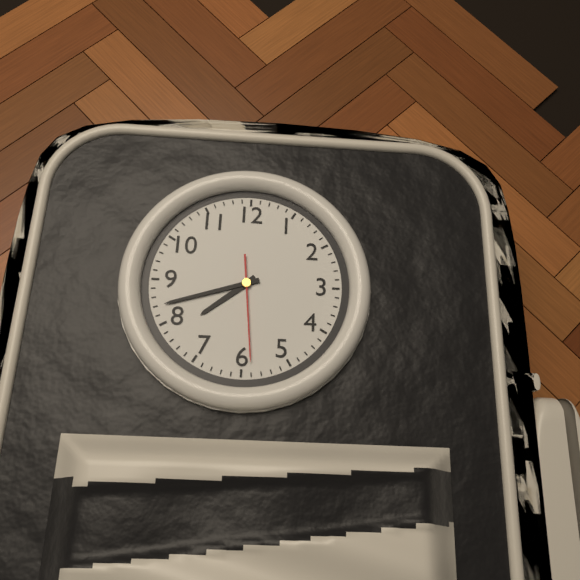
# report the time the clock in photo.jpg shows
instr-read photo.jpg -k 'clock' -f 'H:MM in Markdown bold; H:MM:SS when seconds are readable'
**7:42:29**
